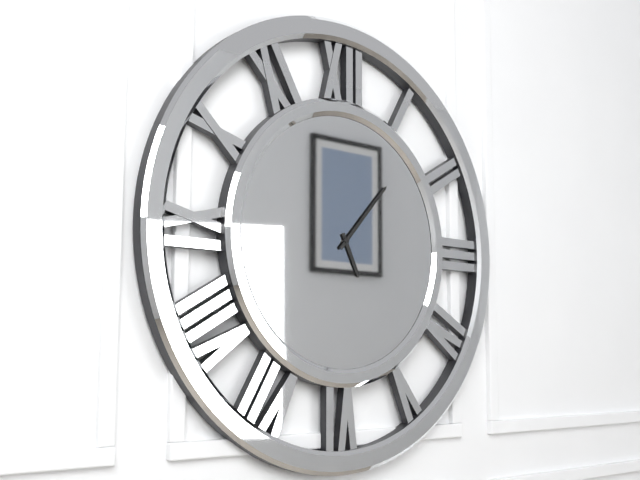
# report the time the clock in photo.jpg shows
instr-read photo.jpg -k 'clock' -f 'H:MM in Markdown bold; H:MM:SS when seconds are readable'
**5:07**
